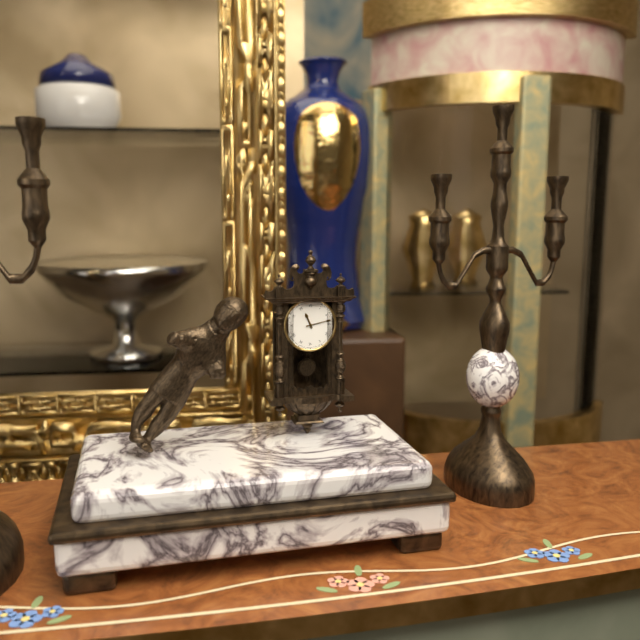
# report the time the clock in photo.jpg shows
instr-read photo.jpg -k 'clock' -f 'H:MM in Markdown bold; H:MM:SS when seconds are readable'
**11:13**
